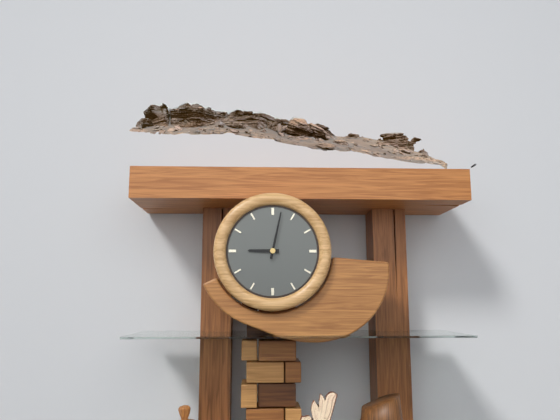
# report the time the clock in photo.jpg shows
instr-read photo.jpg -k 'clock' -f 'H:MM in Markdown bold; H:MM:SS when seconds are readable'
**9:02**
